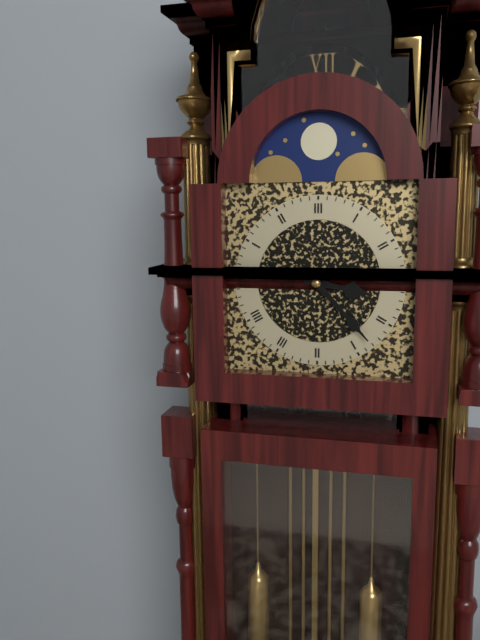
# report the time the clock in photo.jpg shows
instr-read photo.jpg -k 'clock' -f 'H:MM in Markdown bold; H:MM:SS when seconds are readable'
**3:23**
